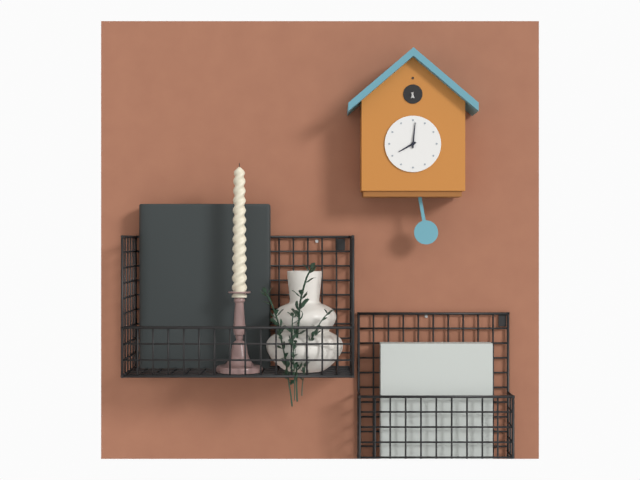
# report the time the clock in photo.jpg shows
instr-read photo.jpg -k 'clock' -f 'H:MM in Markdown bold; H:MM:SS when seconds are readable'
**8:01**
